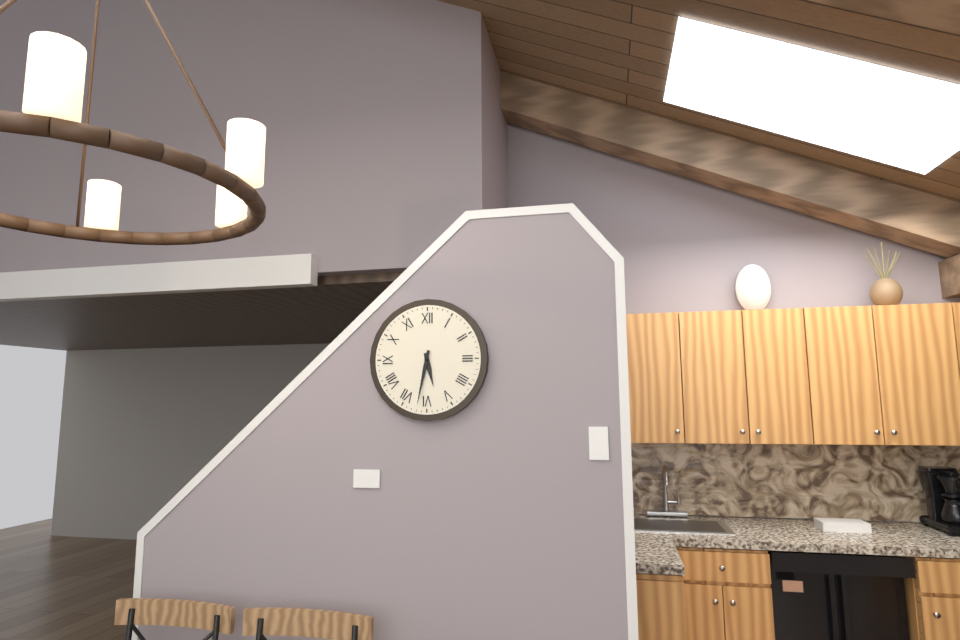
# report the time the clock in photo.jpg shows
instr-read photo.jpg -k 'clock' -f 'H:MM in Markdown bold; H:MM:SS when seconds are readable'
**5:32**
